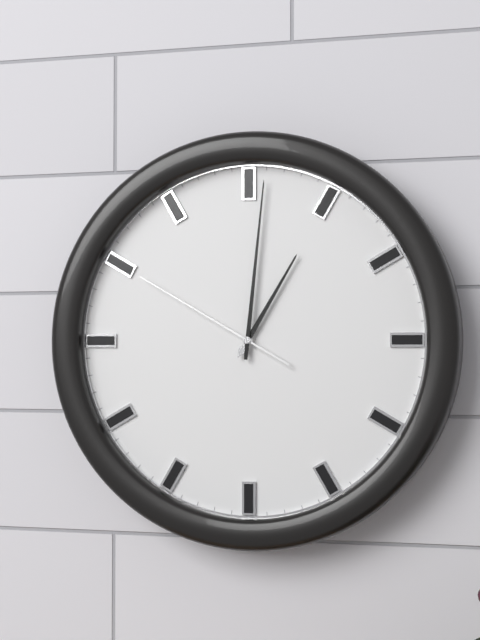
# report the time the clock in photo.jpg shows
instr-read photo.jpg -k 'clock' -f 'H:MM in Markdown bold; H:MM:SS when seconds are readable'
**1:01:50**
